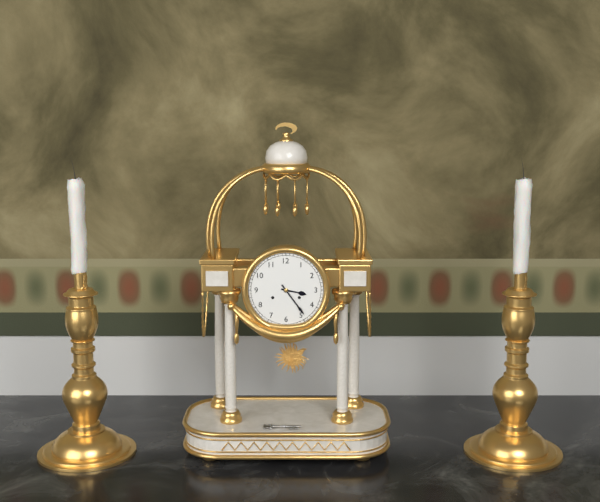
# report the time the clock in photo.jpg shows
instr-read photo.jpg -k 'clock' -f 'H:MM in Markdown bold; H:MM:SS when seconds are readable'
**3:24**
